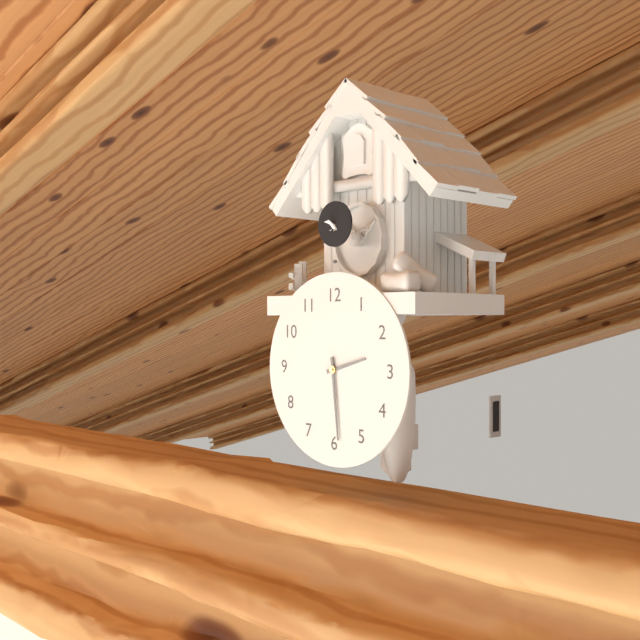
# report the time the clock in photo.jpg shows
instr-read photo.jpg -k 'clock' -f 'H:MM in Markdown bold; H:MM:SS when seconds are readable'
**2:29**
